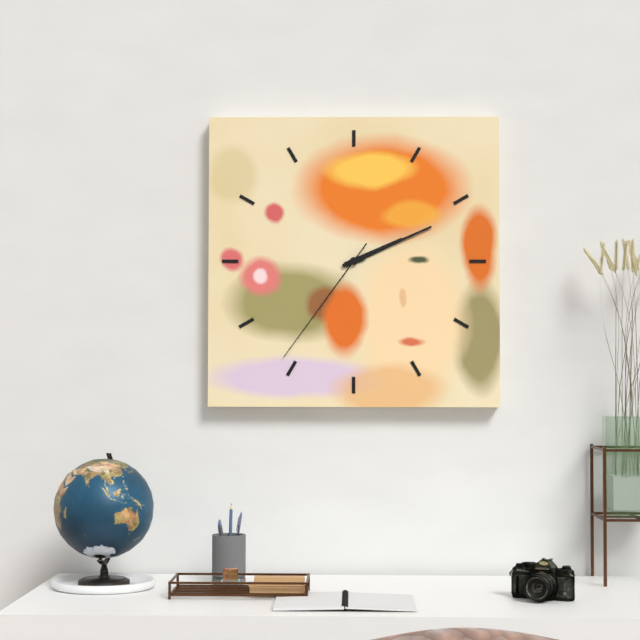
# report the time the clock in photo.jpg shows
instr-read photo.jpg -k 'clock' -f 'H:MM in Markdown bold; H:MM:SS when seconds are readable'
**2:11:36**
